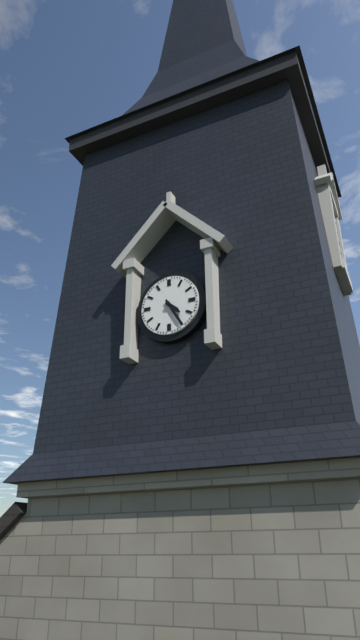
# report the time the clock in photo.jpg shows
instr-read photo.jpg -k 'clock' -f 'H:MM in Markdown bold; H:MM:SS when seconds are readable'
**4:25**
